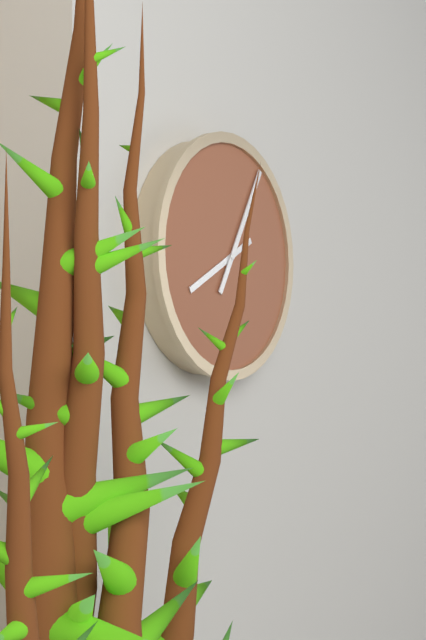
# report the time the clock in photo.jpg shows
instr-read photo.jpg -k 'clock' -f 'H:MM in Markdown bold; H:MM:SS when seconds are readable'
**8:05**
